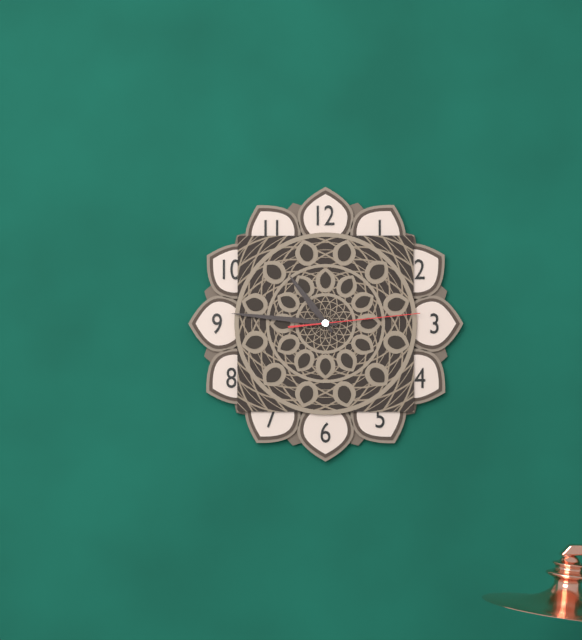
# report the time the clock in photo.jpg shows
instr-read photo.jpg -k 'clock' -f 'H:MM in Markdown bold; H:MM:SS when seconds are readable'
**10:46:14**
